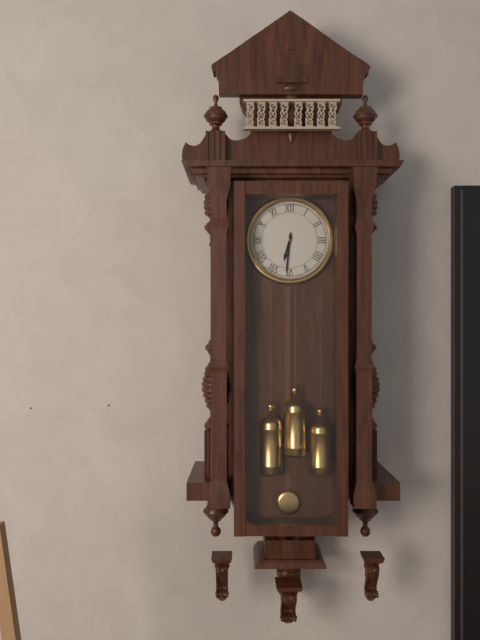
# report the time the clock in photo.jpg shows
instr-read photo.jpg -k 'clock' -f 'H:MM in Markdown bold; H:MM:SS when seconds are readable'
**6:31**
